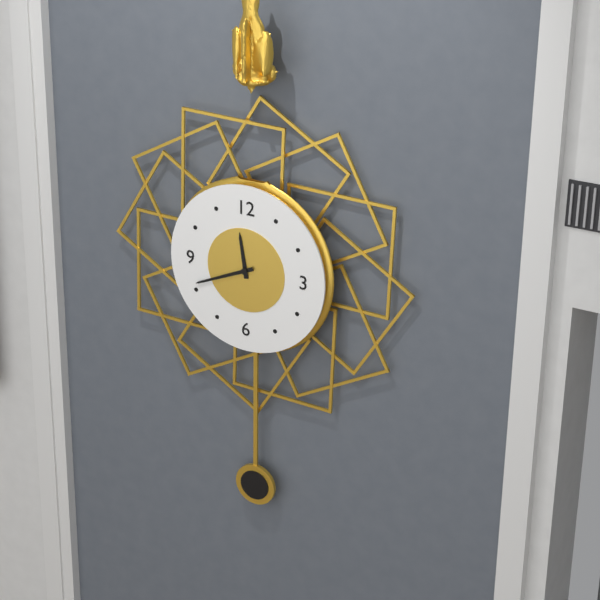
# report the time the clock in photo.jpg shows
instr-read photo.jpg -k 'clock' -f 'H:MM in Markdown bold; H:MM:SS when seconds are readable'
**11:41**
